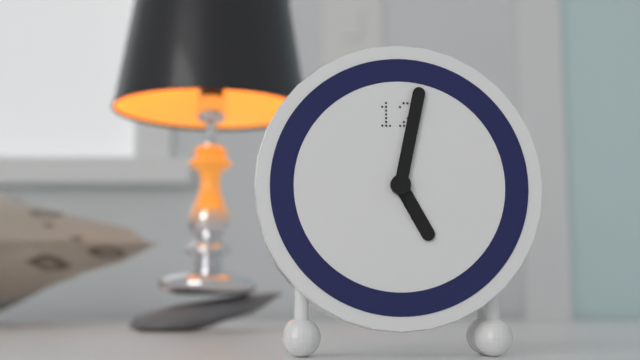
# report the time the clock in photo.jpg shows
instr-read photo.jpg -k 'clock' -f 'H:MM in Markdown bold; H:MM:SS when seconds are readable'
**5:02**
